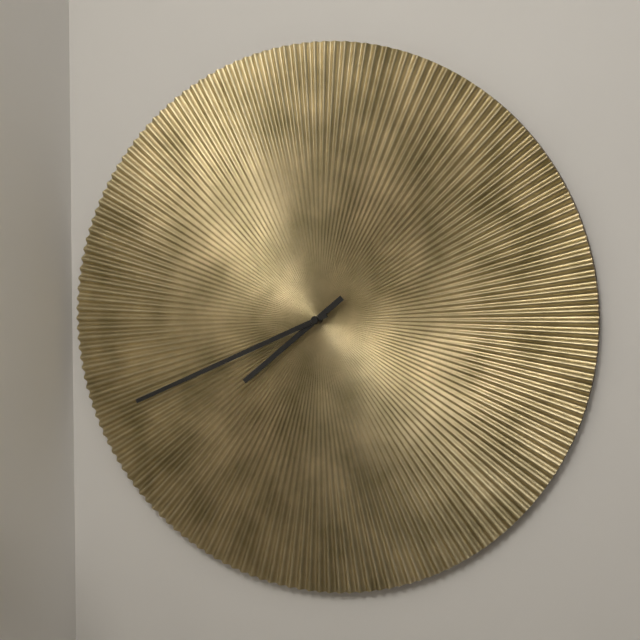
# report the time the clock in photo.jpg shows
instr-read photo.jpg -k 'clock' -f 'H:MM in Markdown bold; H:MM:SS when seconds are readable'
**7:41**
